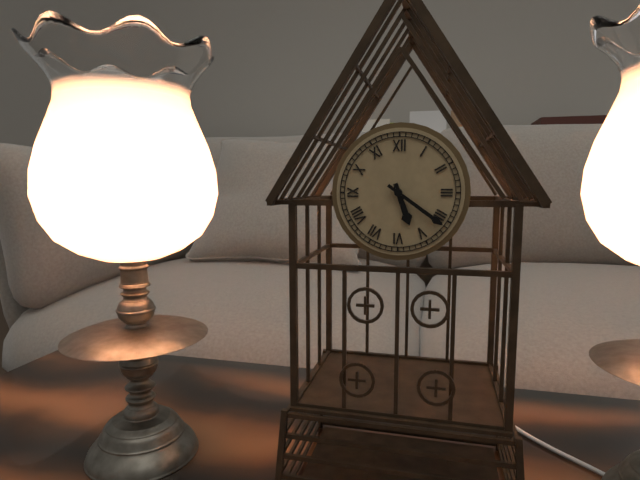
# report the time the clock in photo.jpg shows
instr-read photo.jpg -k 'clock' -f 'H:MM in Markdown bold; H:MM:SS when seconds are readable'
**5:21**
